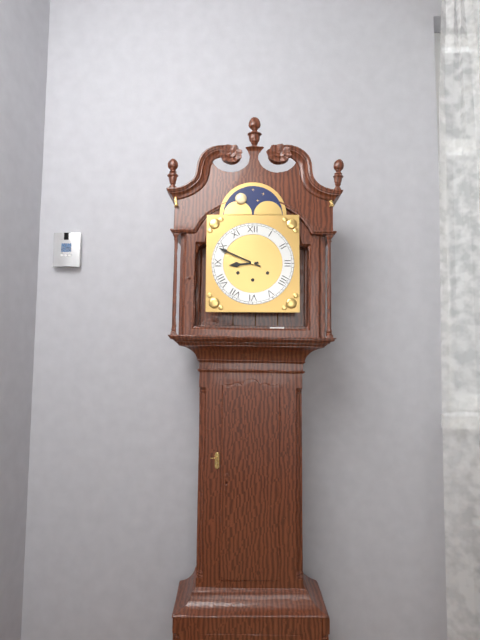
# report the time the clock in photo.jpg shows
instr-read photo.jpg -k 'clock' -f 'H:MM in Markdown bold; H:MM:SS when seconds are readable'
**8:49**
